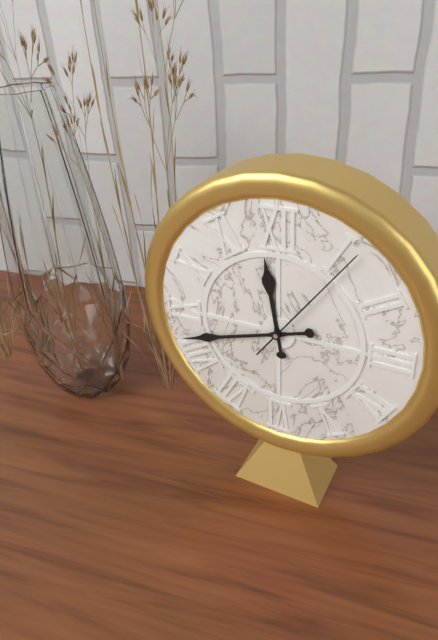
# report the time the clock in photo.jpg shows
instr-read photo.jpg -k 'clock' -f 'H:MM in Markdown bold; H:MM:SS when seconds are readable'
**11:42:06**
